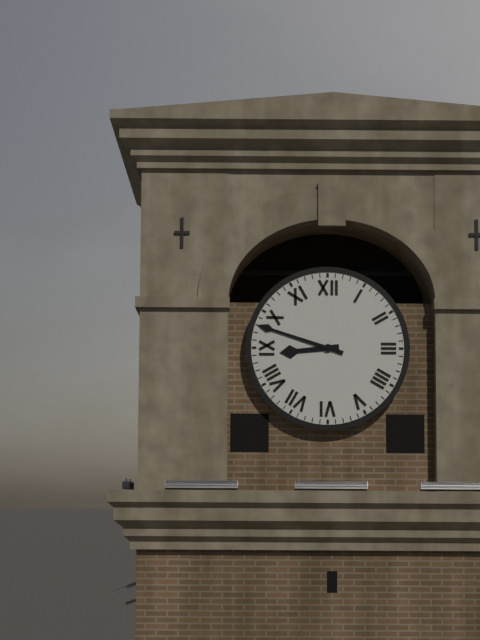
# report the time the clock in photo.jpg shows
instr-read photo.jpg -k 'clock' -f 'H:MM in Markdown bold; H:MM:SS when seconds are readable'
**8:48**
